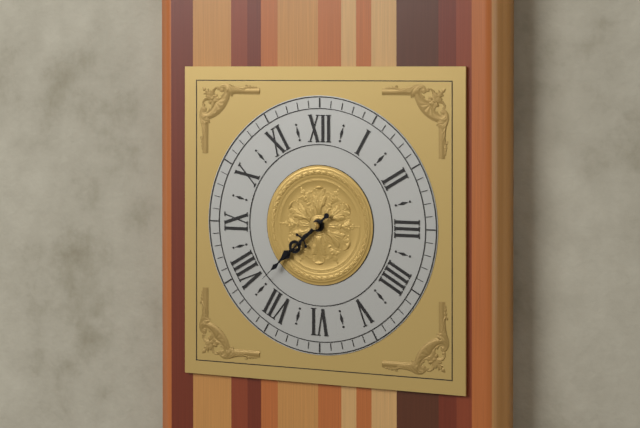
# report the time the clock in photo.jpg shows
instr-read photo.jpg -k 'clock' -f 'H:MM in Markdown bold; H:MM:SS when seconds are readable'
**7:38**
